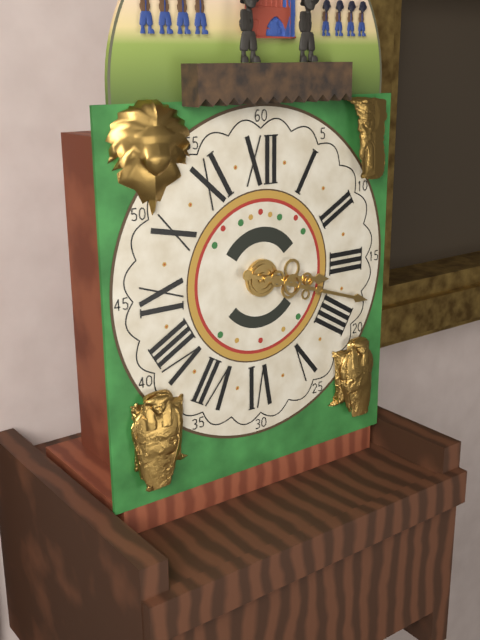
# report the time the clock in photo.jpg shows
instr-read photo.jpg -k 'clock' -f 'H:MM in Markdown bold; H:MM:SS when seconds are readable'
**3:18**
